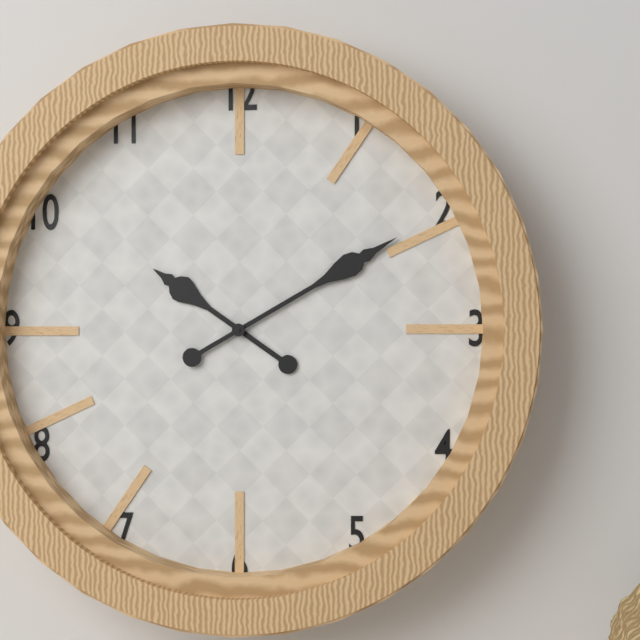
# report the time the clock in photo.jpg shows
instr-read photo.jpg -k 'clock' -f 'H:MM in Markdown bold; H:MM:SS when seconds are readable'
**10:10**
